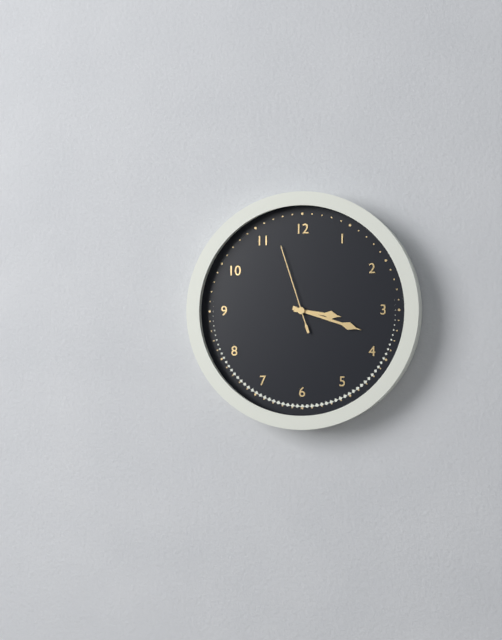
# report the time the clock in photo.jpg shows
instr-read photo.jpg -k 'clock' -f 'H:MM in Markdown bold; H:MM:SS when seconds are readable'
**3:18:57**
